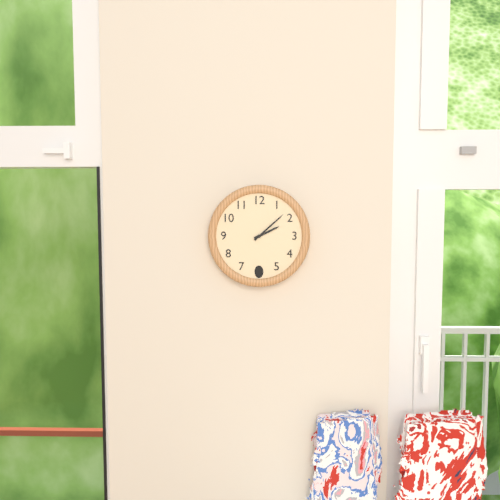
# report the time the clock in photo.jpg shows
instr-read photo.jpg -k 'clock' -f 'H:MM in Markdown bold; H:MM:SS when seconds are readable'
**2:08**
